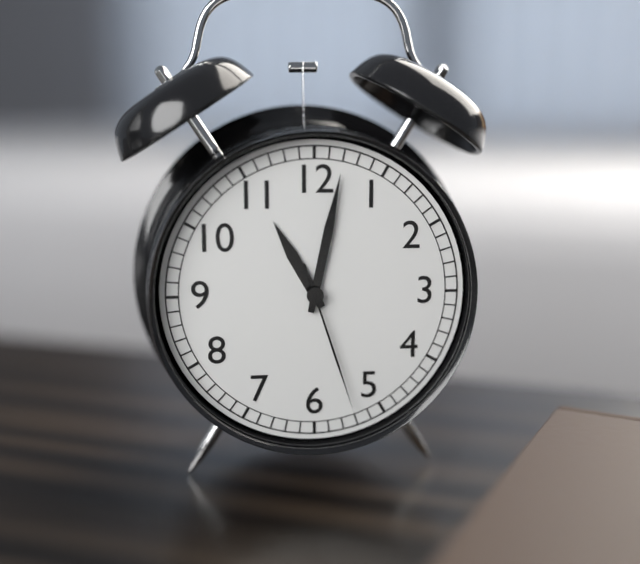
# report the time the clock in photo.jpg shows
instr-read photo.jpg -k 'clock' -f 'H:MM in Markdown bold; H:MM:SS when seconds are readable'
**11:02:27**
